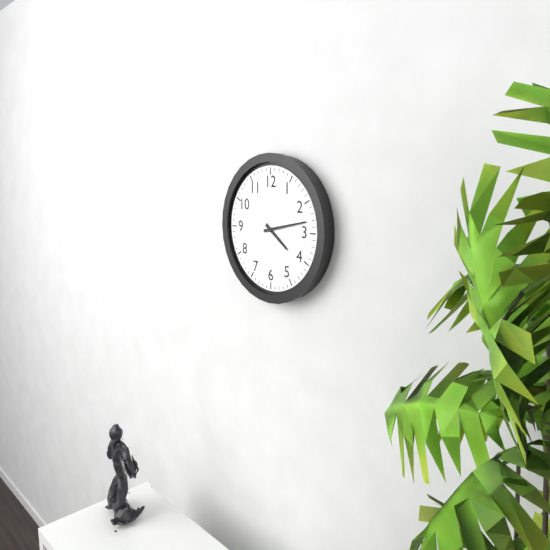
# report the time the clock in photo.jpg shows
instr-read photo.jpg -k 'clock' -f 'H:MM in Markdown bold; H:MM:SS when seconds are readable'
**4:13**
